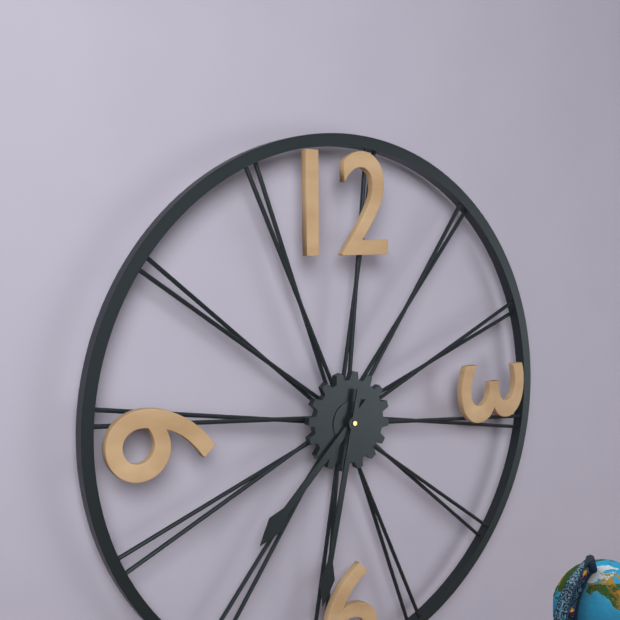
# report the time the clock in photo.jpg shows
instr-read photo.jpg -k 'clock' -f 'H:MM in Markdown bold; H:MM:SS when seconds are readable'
**7:32**
